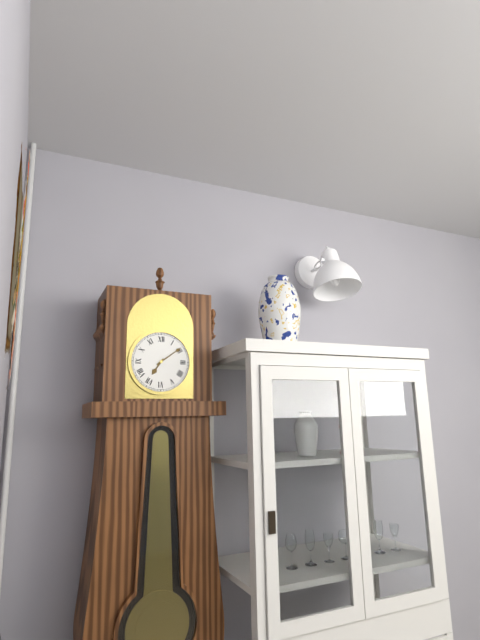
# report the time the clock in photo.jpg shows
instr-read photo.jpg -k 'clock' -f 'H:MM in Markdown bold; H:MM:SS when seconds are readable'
**7:09**
